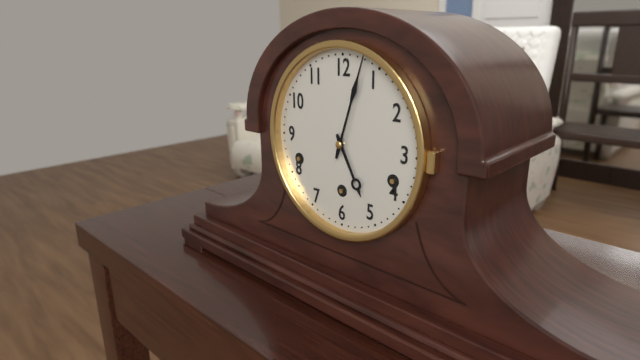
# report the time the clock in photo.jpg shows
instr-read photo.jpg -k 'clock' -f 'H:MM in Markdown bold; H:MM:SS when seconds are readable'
**5:03**
